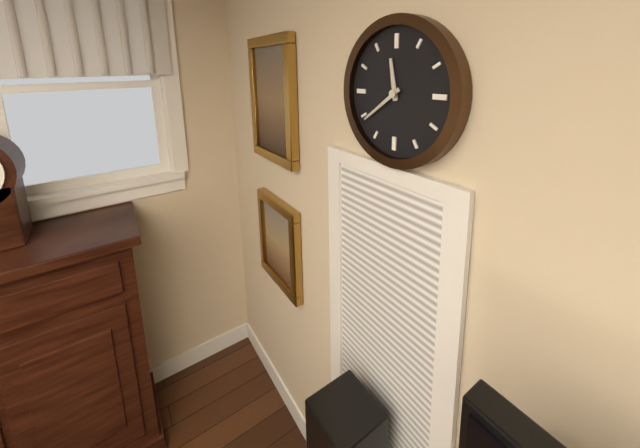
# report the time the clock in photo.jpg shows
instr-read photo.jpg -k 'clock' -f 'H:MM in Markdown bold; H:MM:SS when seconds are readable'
**11:39**
